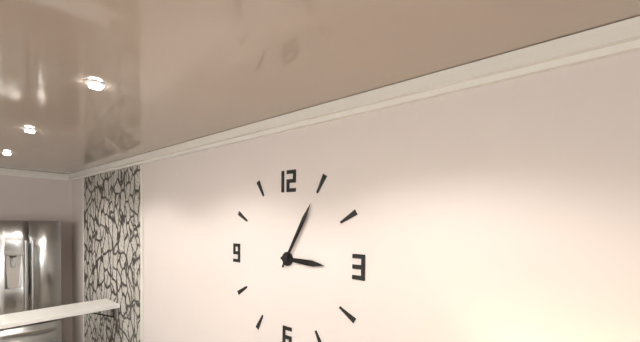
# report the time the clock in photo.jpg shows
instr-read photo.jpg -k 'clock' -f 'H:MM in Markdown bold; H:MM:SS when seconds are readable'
**3:05**
